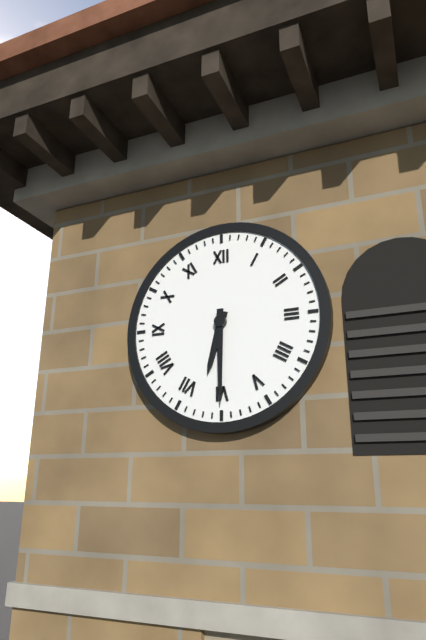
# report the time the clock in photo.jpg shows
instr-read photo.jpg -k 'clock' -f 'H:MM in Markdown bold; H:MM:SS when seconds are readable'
**6:30**
